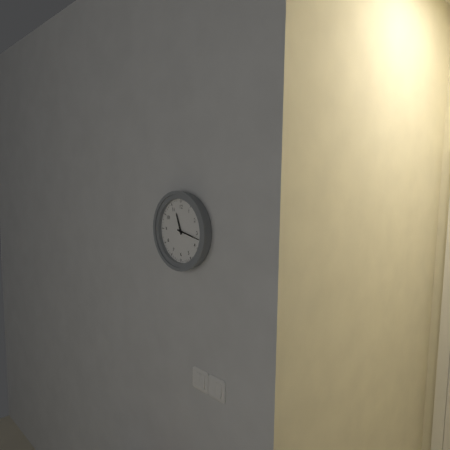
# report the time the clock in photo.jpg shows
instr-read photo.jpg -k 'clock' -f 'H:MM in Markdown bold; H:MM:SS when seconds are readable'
**11:17**
